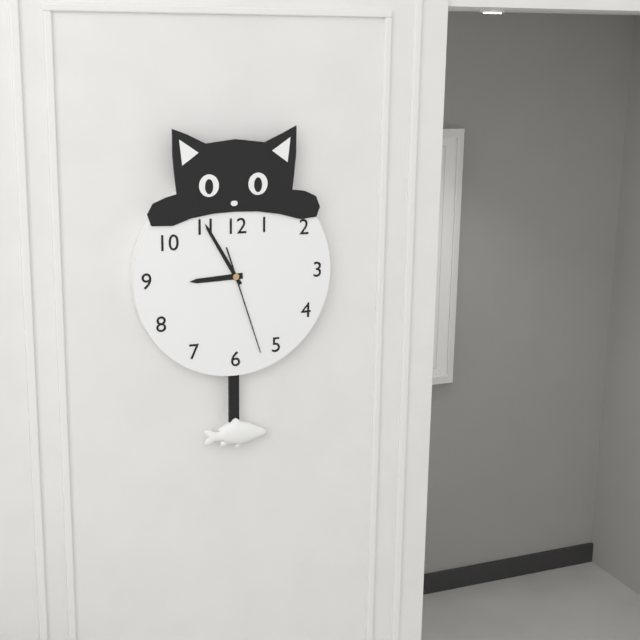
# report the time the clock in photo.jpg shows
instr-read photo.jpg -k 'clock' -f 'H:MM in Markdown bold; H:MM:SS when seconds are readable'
**8:55:27**
